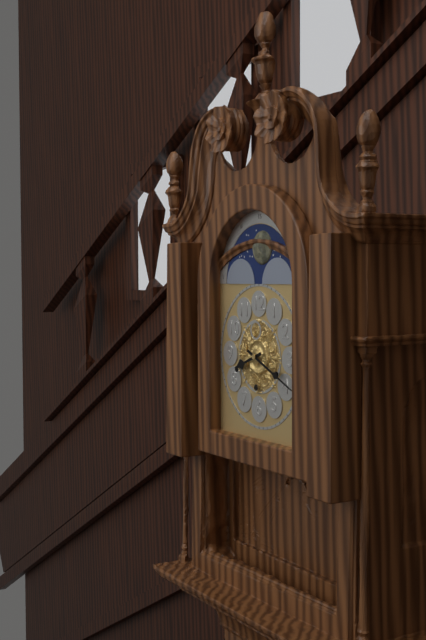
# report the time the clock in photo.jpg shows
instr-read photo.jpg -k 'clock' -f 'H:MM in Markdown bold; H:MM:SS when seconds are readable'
**8:19**
